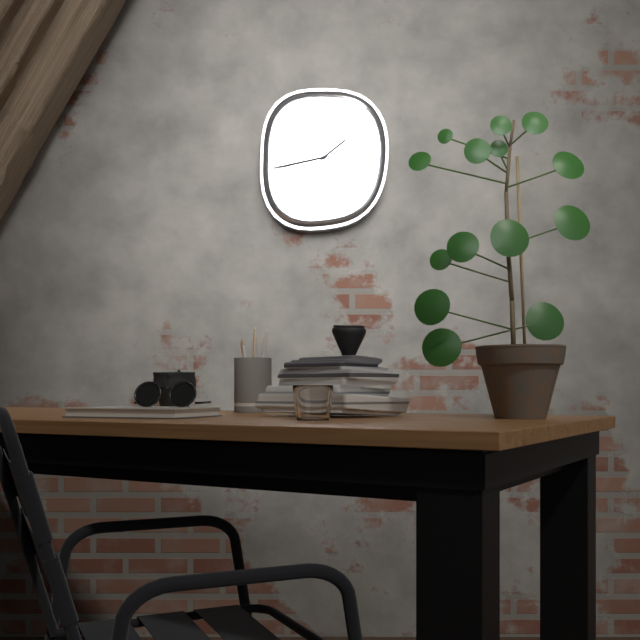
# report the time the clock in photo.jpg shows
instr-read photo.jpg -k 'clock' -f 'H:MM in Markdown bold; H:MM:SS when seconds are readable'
**1:43**
